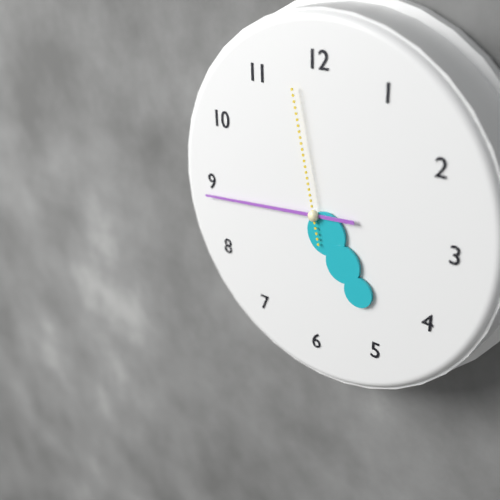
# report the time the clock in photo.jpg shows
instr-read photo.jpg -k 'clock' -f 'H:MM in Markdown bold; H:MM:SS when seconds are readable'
**4:44:58**
